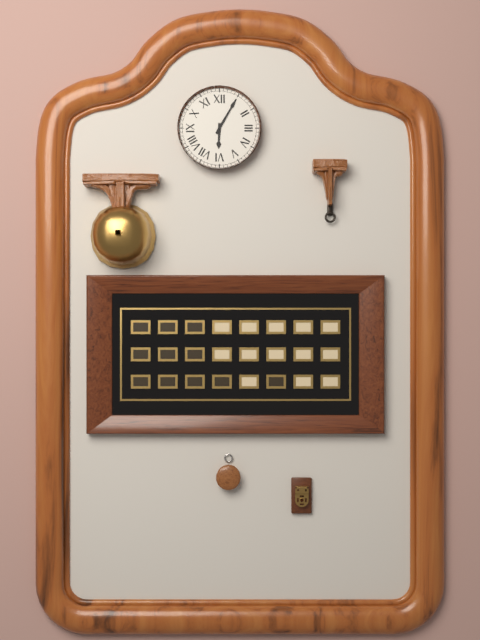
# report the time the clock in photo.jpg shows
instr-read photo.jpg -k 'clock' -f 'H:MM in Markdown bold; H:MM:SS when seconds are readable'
**6:05**
